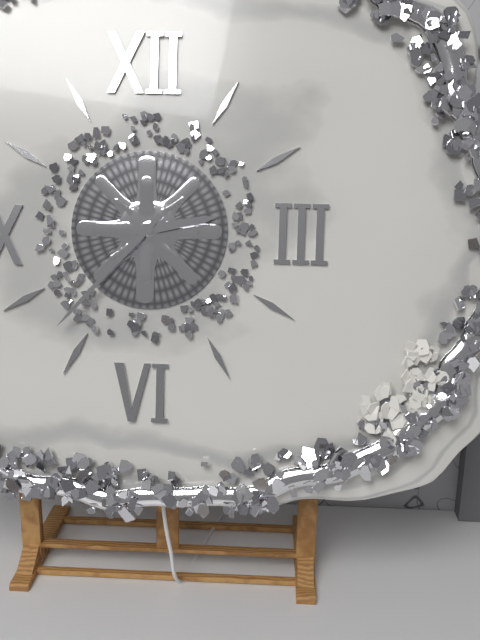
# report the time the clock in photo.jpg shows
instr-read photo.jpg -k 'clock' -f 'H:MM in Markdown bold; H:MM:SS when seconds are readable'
**2:37**
